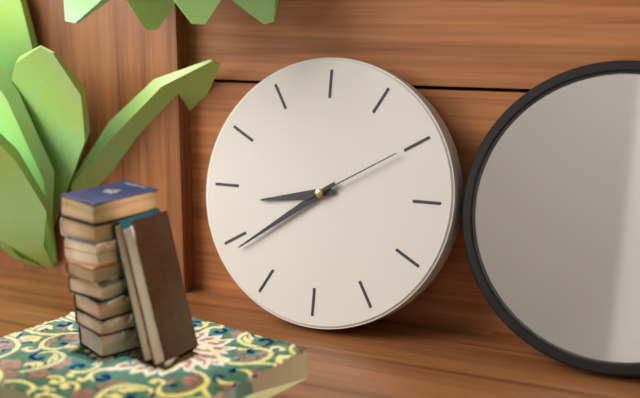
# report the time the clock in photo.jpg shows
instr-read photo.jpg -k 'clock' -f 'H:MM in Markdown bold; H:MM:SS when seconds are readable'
**8:39:10**
